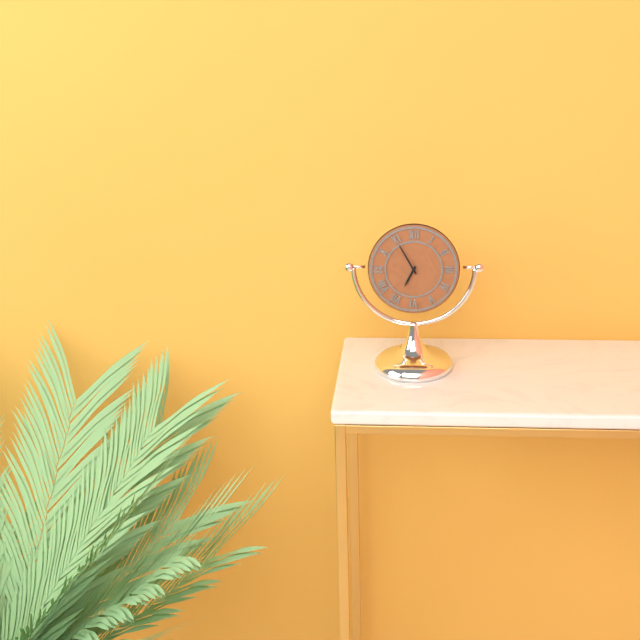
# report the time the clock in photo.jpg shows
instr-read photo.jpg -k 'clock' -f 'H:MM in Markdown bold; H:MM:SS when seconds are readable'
**6:55**
